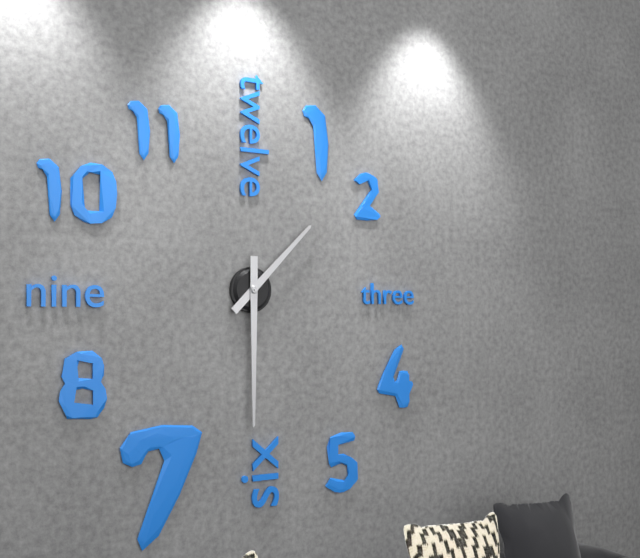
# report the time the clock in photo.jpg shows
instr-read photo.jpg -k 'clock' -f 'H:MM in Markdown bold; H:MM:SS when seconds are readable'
**1:30**
